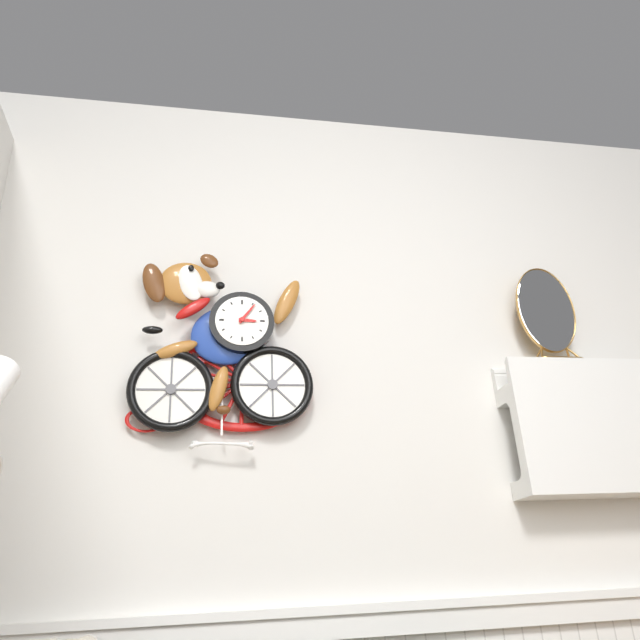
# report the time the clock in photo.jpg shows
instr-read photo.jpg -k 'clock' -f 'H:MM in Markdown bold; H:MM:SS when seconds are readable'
**3:06**
